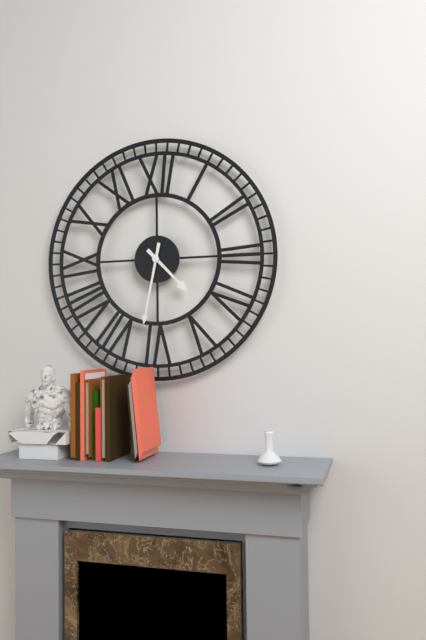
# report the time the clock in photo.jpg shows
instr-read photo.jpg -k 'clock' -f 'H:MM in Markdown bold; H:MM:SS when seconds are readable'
**4:32**
